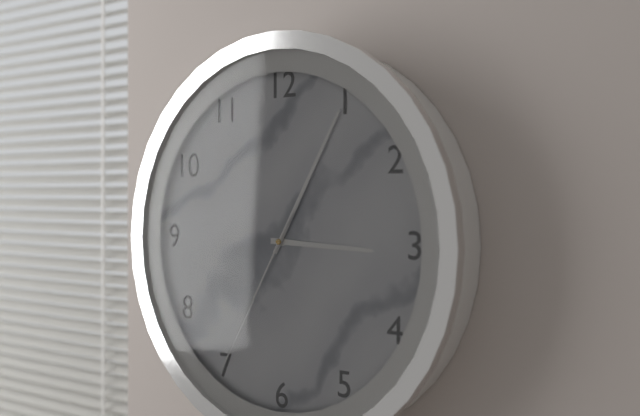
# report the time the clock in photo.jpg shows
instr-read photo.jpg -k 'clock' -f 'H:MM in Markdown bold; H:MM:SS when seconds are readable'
**3:05:35**
